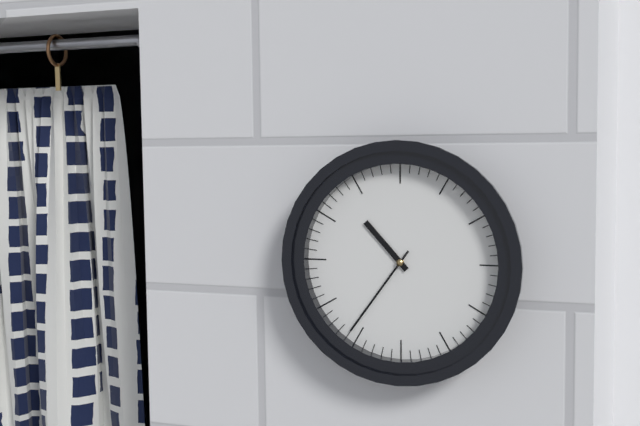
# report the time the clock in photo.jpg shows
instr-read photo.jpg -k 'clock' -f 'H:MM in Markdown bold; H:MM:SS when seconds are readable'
**10:36**
